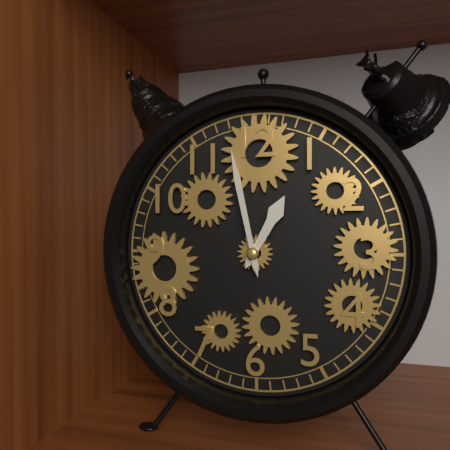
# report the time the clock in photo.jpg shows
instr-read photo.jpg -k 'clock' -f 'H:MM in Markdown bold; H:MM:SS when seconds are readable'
**12:58**
